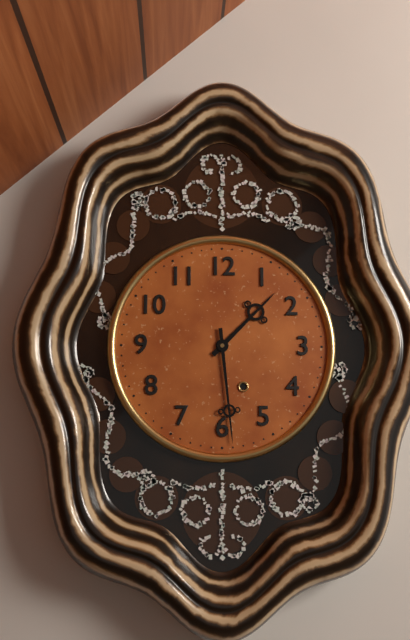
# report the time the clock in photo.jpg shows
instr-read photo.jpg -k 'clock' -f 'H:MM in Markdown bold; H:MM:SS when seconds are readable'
**1:29**
